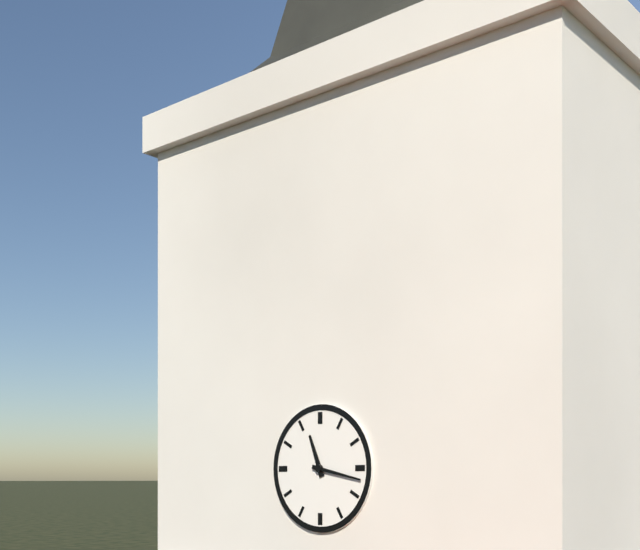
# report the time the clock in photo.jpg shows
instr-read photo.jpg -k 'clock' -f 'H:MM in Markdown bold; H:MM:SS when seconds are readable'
**11:17**
